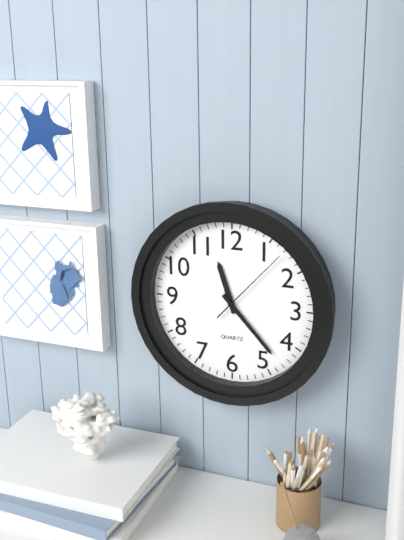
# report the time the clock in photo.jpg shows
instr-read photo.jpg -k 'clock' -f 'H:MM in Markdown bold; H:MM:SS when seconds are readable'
**11:23:07**
